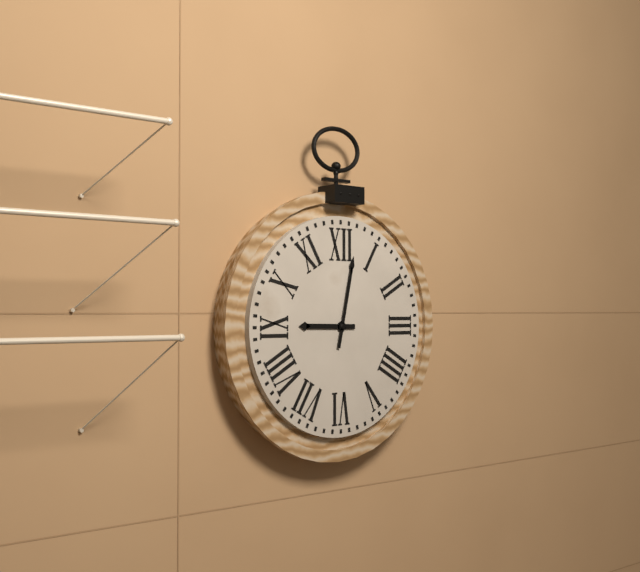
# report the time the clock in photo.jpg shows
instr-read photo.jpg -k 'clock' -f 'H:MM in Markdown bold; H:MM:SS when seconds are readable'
**9:02**
